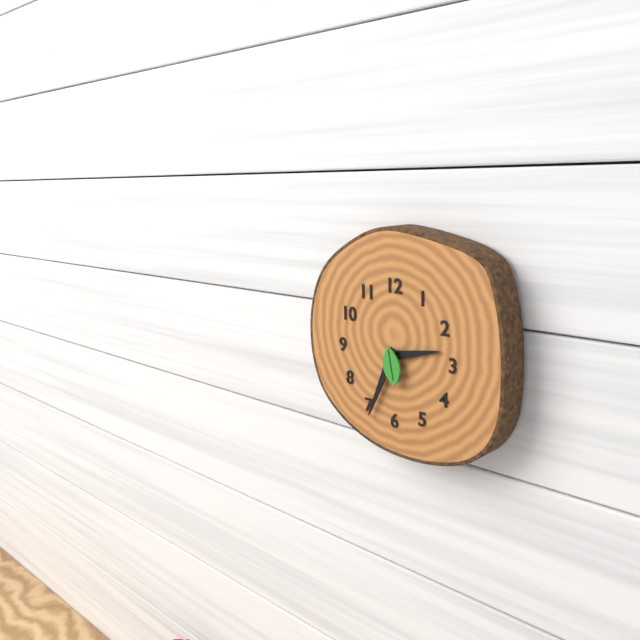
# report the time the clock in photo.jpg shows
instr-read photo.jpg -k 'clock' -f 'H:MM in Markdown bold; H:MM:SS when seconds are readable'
**2:34**
